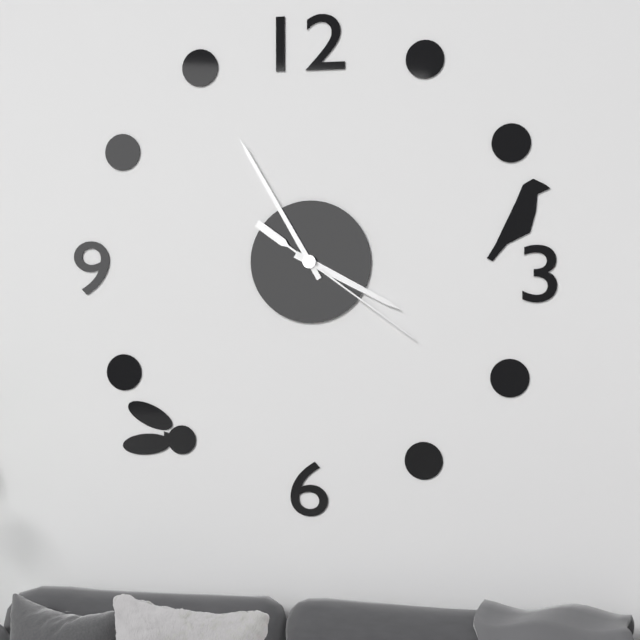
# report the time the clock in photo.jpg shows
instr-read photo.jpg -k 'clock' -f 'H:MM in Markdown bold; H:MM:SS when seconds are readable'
**3:55:21**
